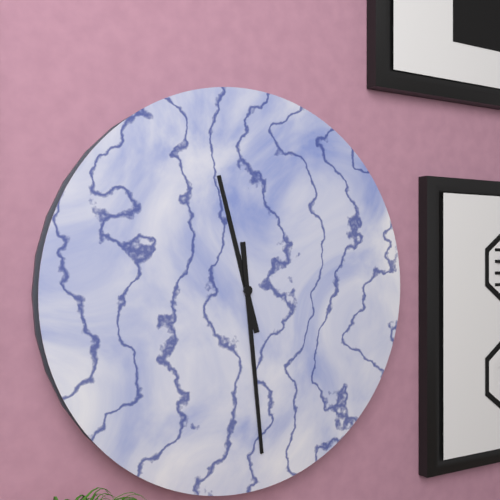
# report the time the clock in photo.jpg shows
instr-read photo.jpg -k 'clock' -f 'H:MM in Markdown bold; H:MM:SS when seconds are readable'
**11:29**
